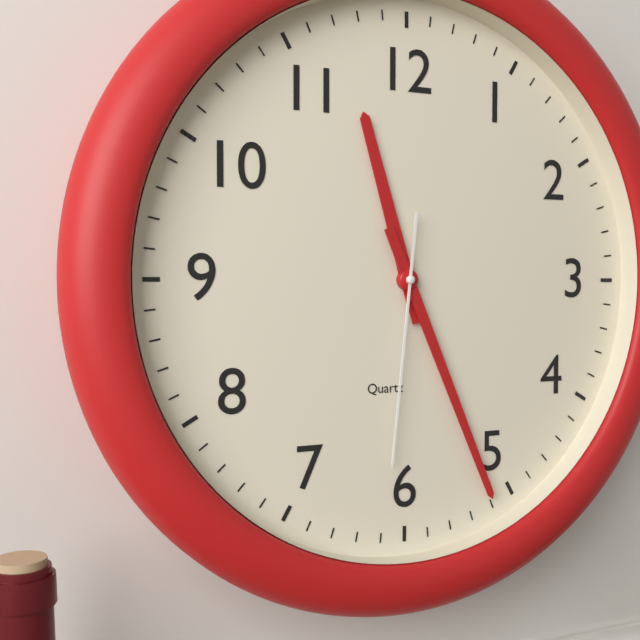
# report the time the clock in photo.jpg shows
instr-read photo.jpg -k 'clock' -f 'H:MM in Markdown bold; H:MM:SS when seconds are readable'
**11:26:31**
